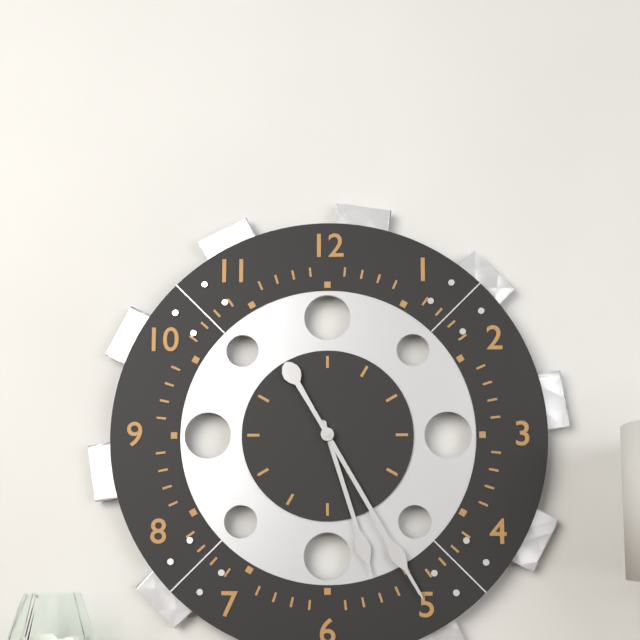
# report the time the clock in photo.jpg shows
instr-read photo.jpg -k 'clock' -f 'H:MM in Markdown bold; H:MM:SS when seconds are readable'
**5:25**
